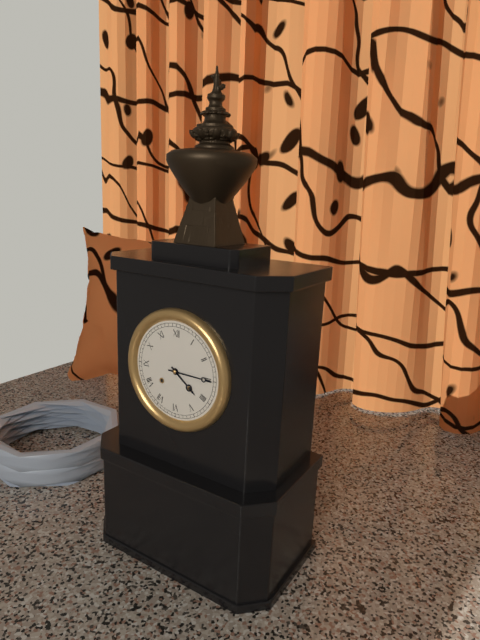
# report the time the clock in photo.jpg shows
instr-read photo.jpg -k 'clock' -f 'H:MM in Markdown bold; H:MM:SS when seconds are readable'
**4:15**
